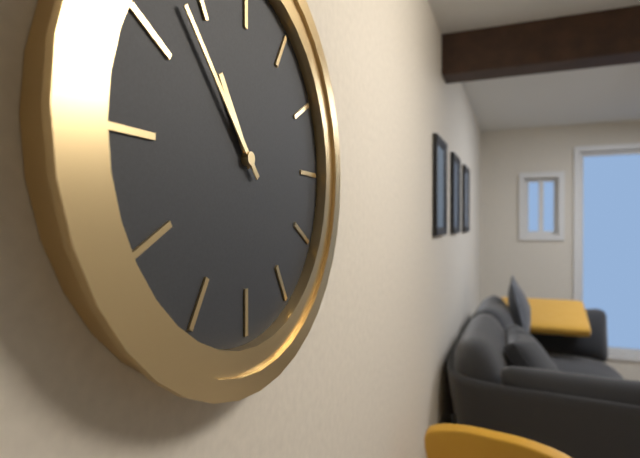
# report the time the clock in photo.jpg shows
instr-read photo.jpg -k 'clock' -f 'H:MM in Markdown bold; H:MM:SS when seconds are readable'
**10:53**
